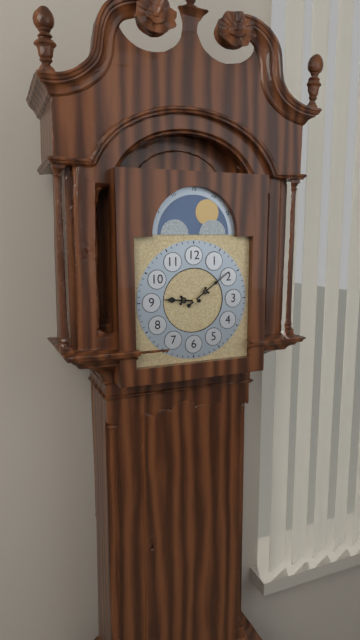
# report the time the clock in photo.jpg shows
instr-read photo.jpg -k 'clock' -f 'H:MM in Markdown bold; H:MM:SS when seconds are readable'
**9:09**
